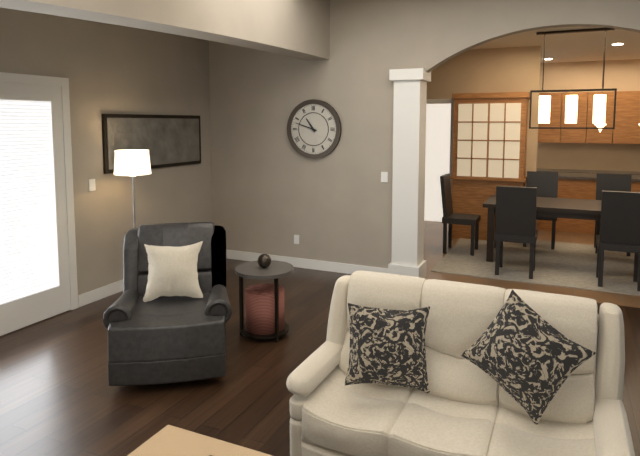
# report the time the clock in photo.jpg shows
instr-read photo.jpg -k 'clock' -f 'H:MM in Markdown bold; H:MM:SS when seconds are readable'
**10:48**
